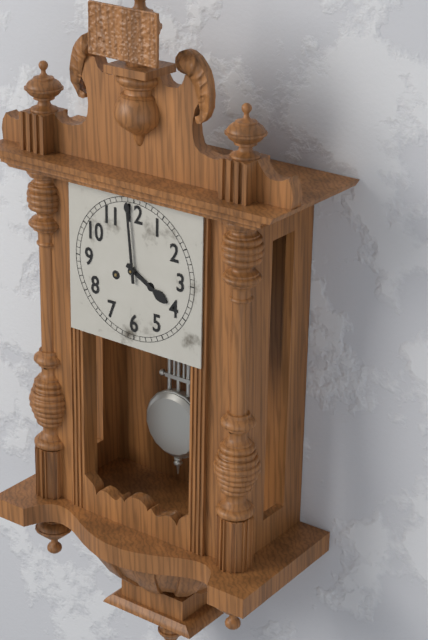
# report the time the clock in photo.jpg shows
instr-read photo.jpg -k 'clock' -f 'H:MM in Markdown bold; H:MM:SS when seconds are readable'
**3:59**
